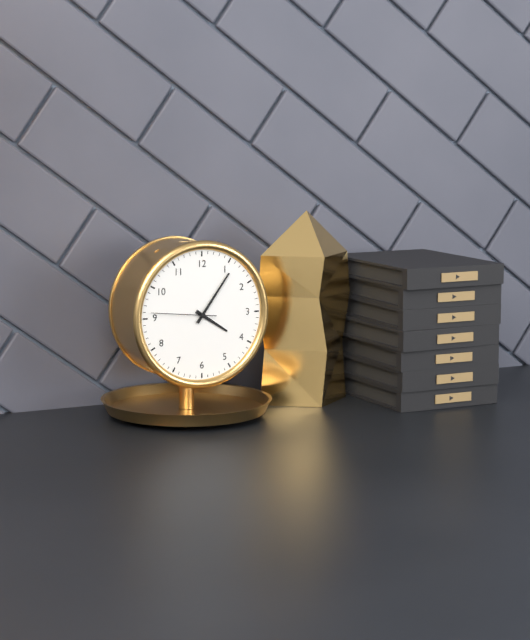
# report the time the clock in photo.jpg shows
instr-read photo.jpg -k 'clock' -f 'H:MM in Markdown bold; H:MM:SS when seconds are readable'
**4:06:46**
